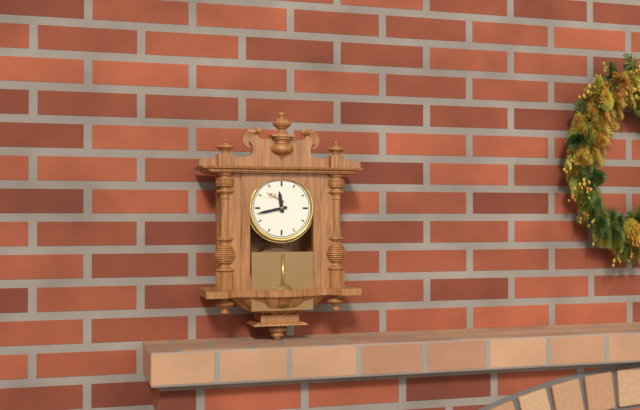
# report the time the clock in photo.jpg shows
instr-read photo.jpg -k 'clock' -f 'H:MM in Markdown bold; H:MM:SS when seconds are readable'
**11:43**
